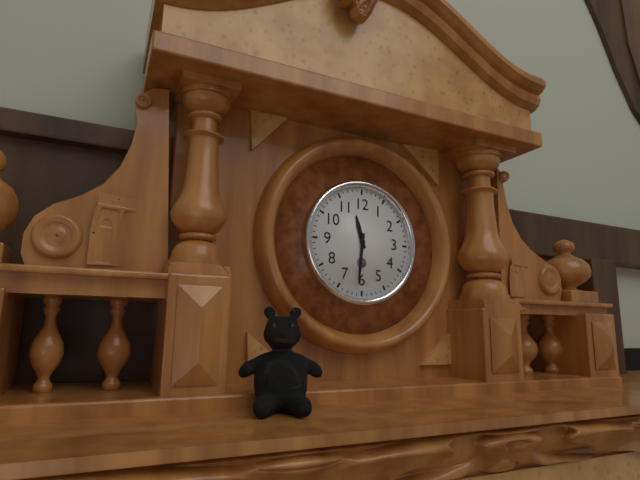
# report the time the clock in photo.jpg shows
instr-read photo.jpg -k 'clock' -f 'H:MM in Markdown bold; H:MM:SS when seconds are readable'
**11:31**
